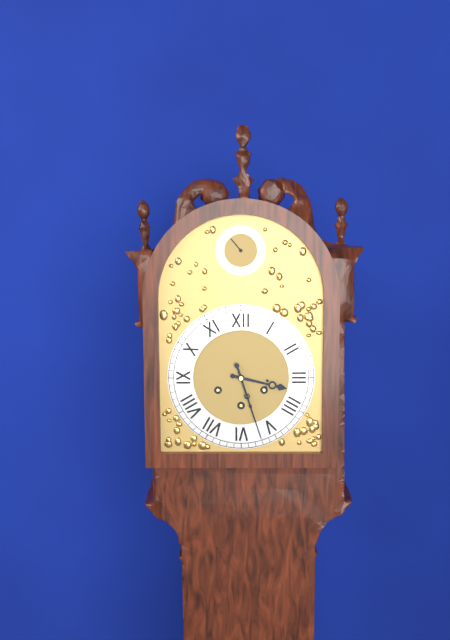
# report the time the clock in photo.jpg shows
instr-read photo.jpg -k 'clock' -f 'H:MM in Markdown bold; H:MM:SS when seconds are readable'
**3:27**
